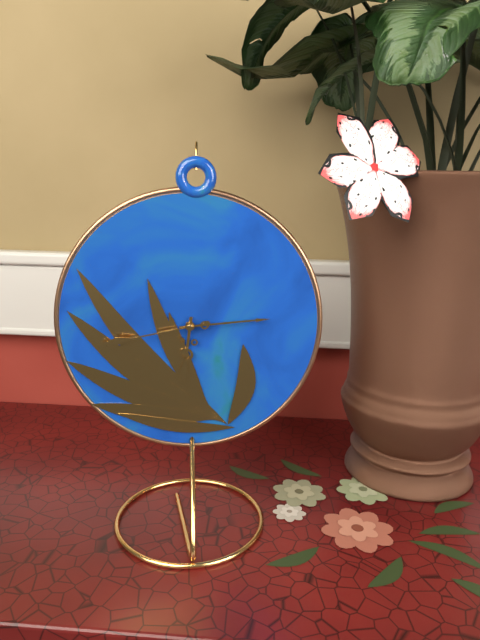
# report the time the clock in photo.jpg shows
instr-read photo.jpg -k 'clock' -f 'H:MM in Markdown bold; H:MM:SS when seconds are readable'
**6:14:43**
